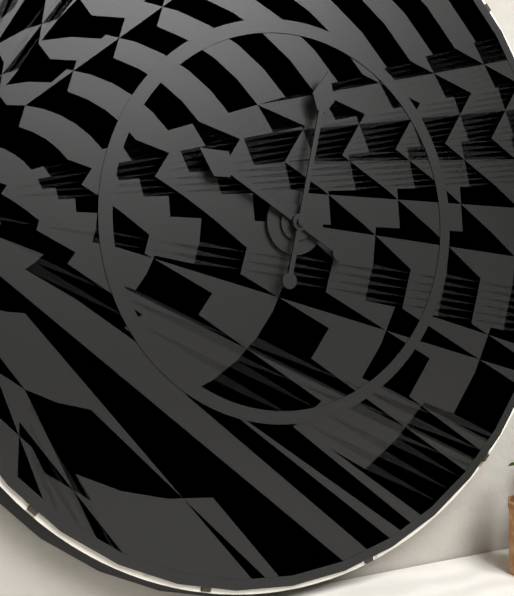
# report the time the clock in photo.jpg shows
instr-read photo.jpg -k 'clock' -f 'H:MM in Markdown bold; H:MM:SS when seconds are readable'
**10:02**
